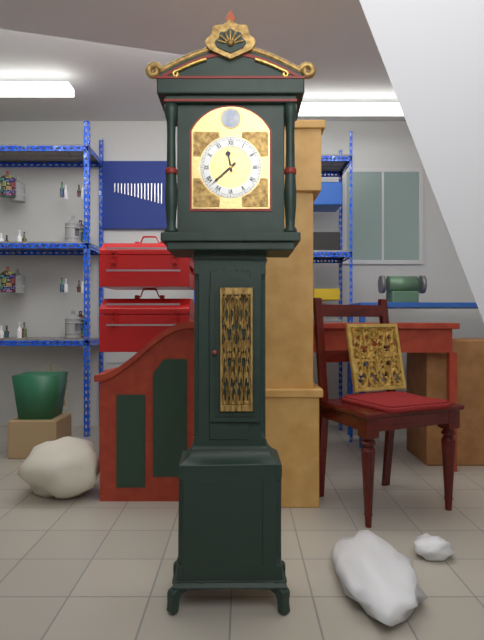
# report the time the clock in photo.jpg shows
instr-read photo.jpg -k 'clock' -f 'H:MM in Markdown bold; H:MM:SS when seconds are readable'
**11:38**
